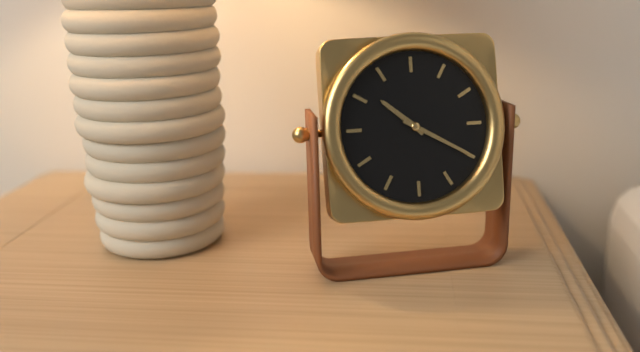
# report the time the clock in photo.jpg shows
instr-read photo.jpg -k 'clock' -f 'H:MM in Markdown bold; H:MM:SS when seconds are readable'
**10:20**
